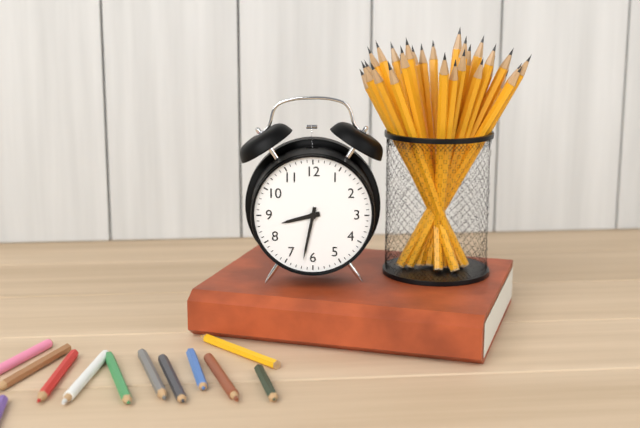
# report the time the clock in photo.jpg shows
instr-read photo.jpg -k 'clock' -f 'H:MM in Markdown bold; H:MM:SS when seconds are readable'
**8:32**
